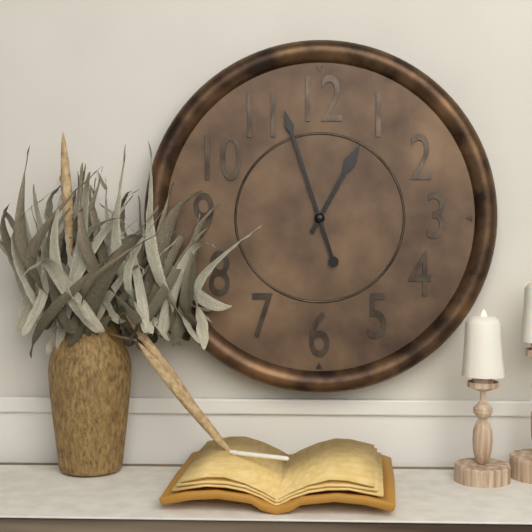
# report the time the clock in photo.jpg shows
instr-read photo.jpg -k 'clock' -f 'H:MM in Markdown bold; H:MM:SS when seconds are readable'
**12:57**
